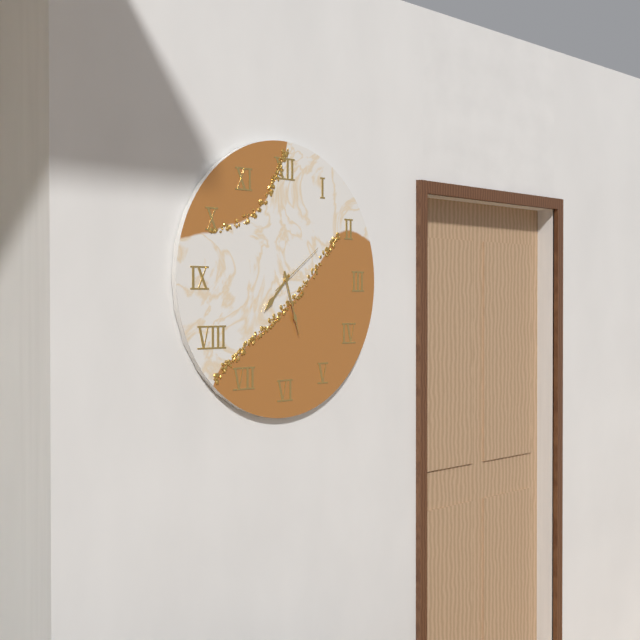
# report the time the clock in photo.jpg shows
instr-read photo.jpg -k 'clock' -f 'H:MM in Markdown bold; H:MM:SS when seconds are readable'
**7:27:09**
